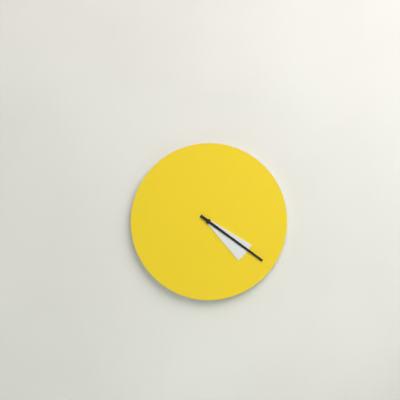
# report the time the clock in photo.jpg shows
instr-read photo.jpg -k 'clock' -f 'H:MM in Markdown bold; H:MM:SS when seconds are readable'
**4:21**
